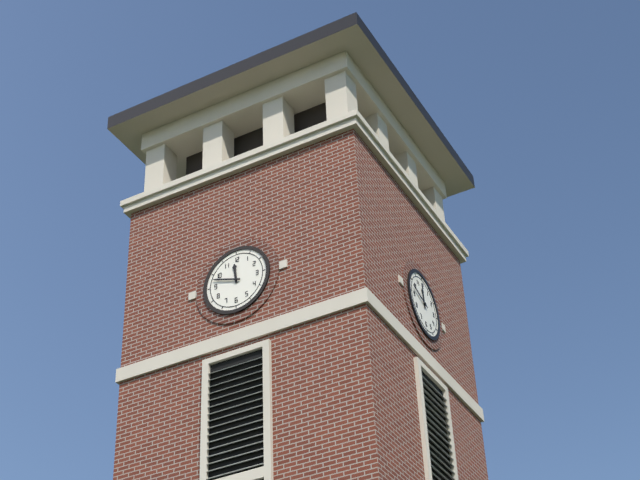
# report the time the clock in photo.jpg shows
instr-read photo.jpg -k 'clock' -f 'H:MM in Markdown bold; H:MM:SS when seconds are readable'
**11:48**
